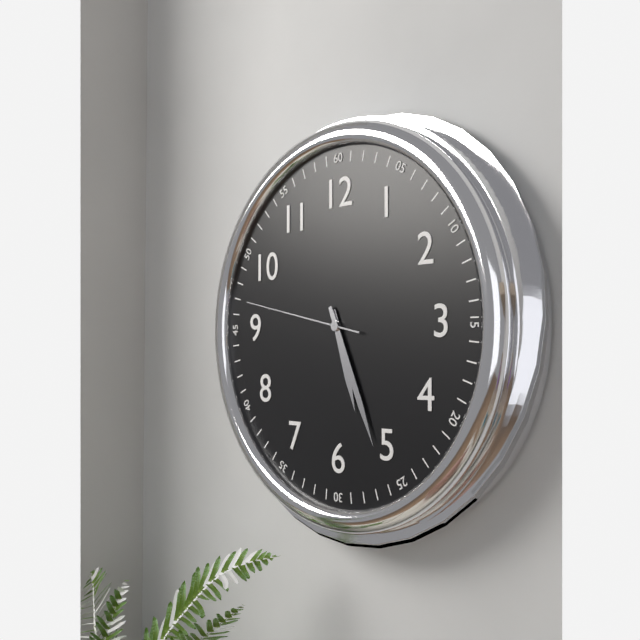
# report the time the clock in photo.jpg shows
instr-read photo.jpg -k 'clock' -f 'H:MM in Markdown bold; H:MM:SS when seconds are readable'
**5:26:47**
